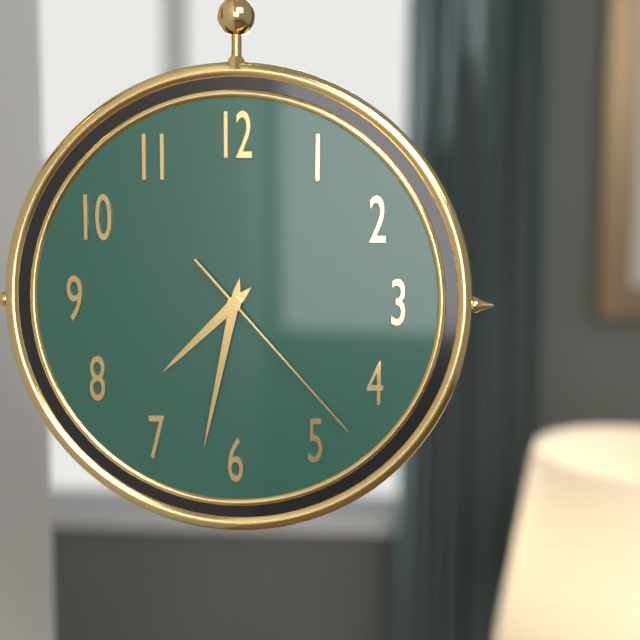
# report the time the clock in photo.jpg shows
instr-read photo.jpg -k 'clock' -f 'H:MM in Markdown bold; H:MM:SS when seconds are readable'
**7:32:23**
